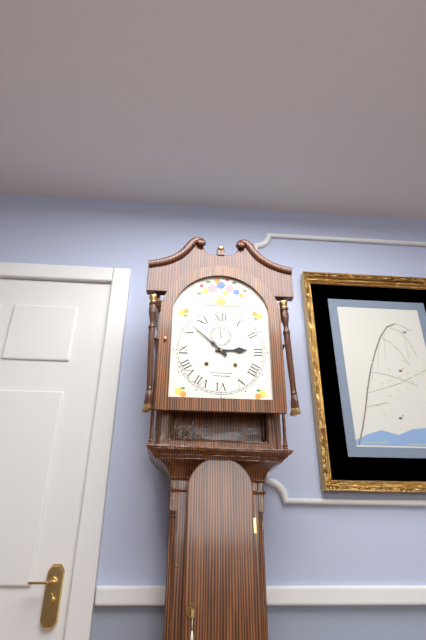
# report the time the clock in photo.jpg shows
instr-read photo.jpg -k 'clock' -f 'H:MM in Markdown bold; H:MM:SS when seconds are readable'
**2:52**
